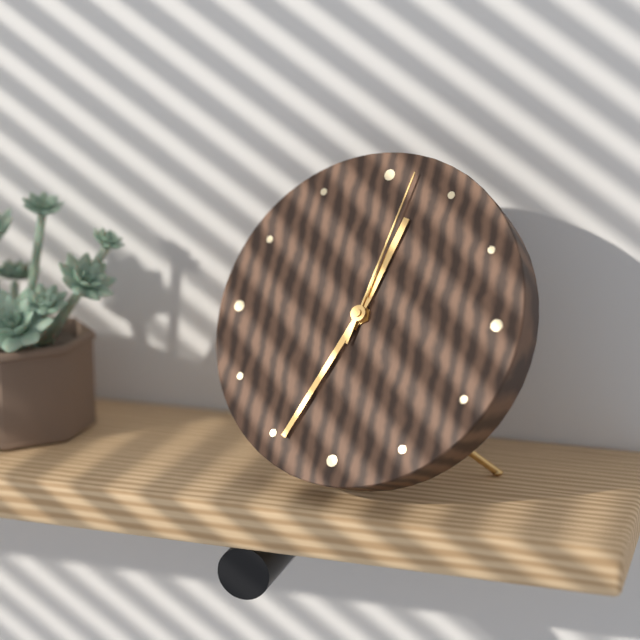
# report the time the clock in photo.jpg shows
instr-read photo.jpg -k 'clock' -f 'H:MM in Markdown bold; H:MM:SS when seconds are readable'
**12:34:02**
